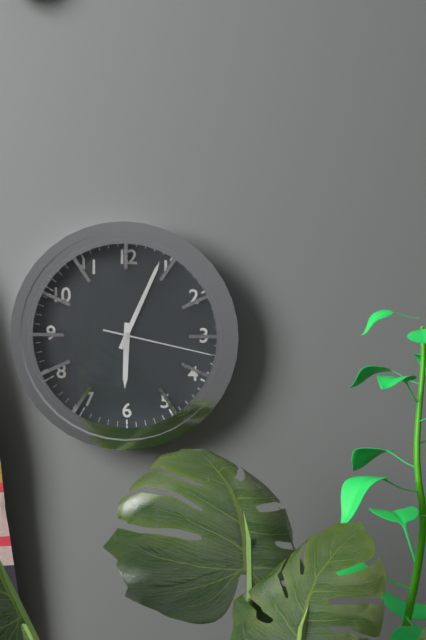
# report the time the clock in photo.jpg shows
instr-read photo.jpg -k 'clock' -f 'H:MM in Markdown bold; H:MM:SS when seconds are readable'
**6:04:17**
